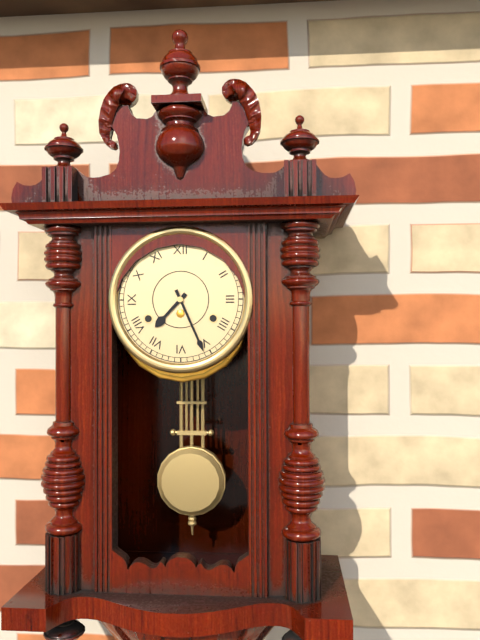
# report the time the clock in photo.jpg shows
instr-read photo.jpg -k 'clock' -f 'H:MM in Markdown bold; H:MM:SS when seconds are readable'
**7:26**
